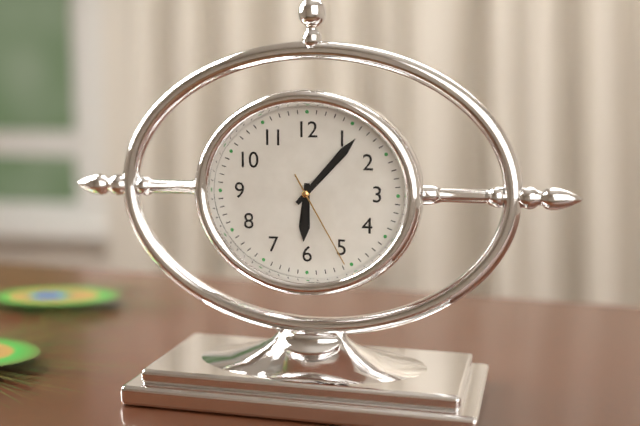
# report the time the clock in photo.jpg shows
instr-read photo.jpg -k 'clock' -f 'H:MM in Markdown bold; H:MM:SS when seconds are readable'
**6:07:25**
